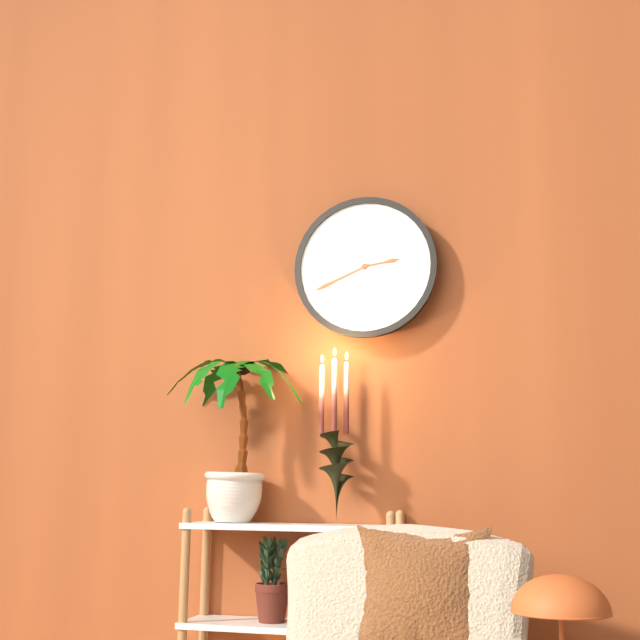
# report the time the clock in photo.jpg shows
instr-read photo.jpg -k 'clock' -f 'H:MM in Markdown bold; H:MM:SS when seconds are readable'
**2:41**
